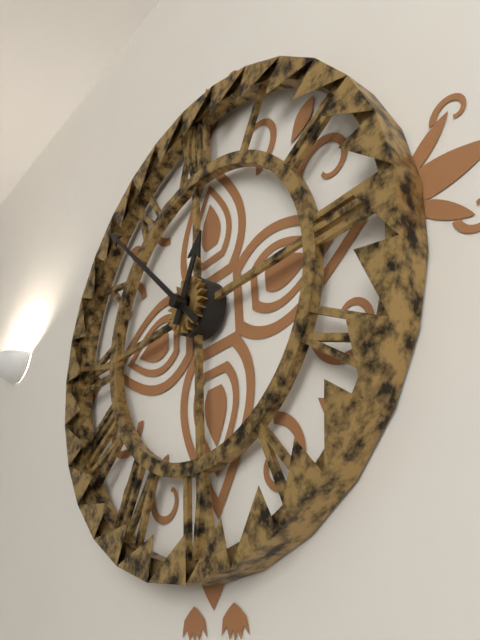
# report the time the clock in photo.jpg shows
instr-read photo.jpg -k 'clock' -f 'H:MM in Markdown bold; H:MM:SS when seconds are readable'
**12:53**
